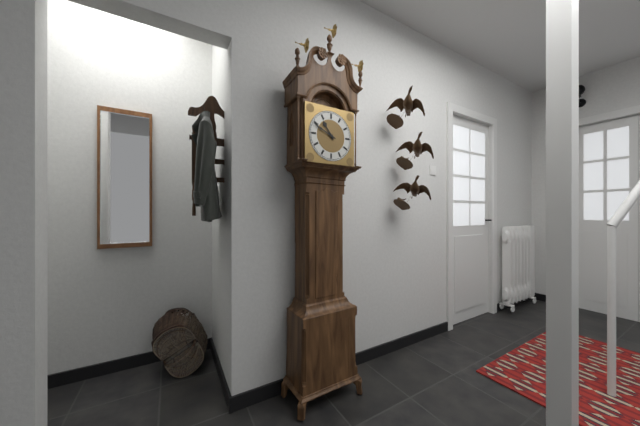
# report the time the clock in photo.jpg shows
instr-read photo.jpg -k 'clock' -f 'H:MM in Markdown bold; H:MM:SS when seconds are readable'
**10:49**
